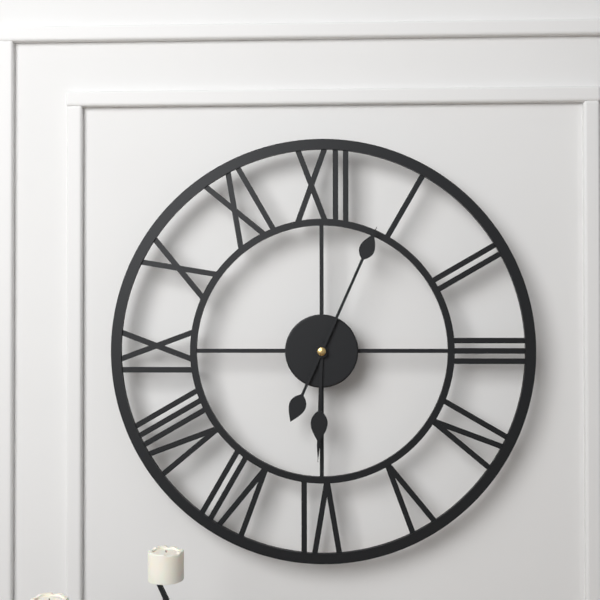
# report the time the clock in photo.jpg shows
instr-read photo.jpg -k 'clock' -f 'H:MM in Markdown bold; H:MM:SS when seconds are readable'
**6:04**
